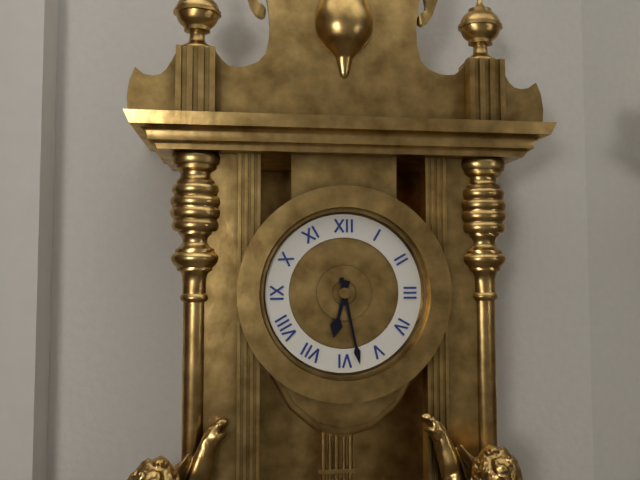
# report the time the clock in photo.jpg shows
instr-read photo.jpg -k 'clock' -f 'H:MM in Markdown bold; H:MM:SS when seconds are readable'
**6:28**
